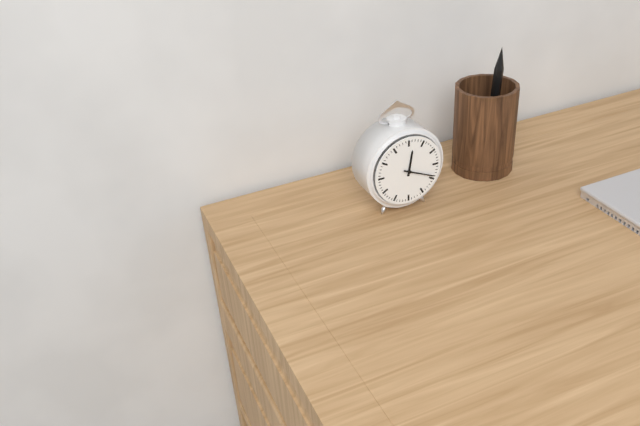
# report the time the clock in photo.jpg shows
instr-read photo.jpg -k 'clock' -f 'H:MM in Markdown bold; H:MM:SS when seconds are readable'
**12:19**
